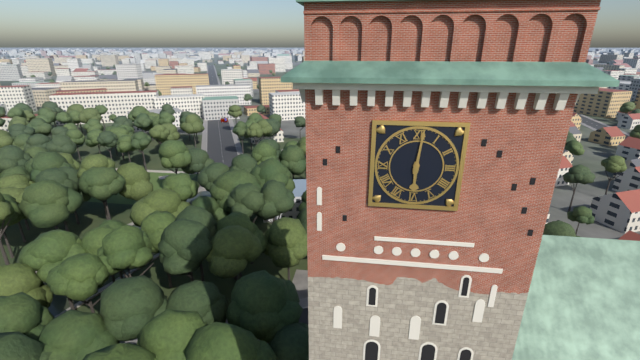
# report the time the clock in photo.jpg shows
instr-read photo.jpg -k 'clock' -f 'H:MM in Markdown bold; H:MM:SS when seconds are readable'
**6:01**
